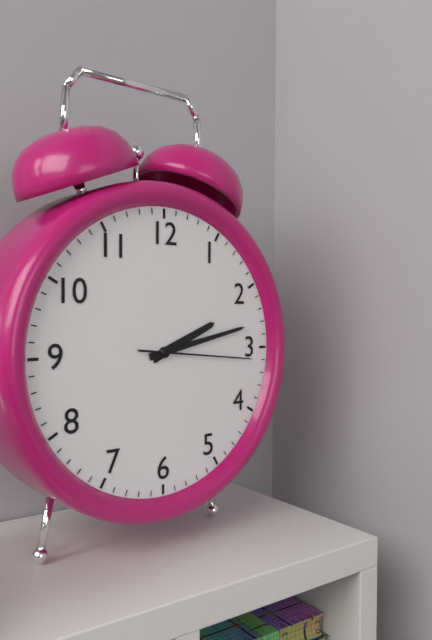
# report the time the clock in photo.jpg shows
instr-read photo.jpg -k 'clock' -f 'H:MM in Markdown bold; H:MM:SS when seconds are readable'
**2:13:16**
